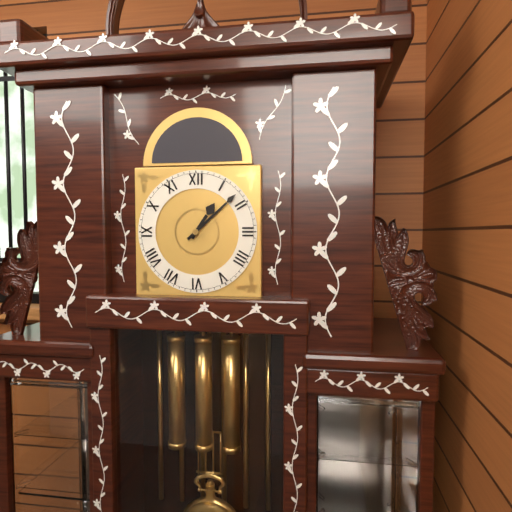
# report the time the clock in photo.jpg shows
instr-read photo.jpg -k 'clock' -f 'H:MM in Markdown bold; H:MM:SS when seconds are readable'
**1:08**
